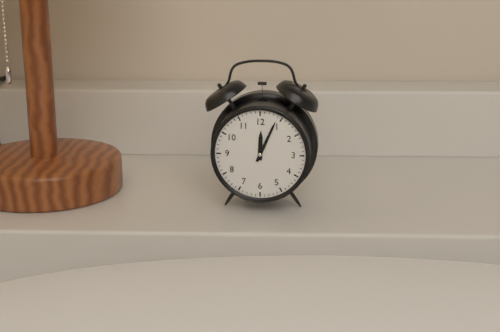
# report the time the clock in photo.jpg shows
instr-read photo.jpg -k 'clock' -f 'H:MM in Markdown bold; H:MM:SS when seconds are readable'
**12:04**
